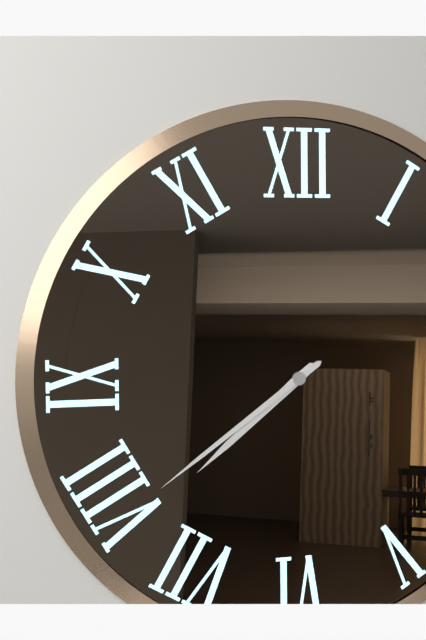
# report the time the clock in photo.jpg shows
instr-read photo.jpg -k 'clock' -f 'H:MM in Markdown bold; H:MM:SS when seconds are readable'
**7:39**
